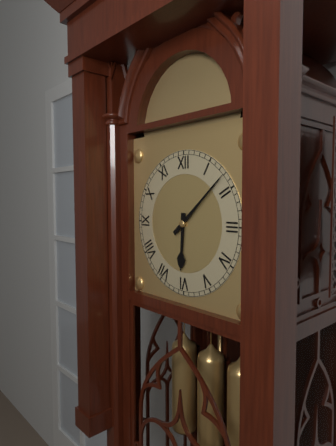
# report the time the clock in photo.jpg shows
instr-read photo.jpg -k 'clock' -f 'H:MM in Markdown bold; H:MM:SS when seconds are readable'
**6:08**
